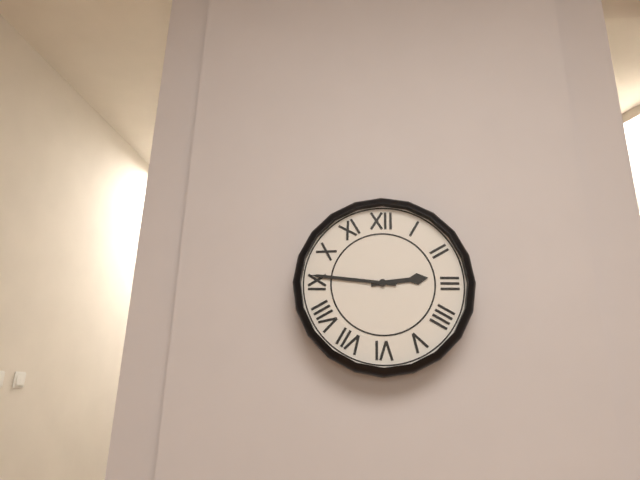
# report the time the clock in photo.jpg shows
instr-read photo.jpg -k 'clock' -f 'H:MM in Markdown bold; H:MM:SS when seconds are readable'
**2:46**
